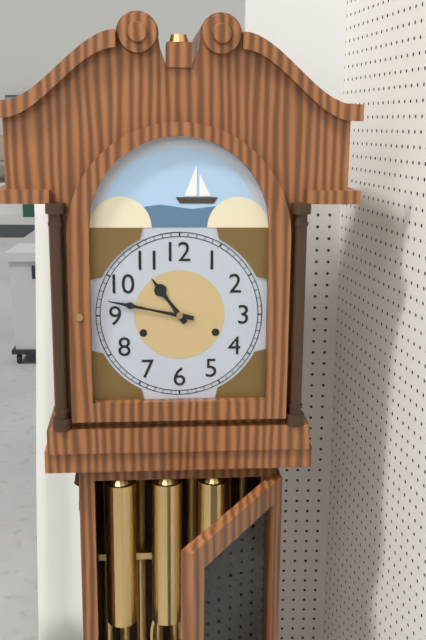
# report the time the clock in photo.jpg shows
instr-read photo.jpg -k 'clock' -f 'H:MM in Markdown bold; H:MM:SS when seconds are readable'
**10:47**
